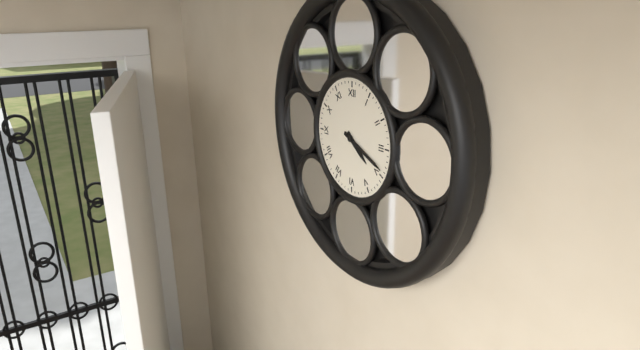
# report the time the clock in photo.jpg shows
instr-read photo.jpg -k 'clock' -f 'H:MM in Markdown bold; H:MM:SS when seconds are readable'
**4:19**
